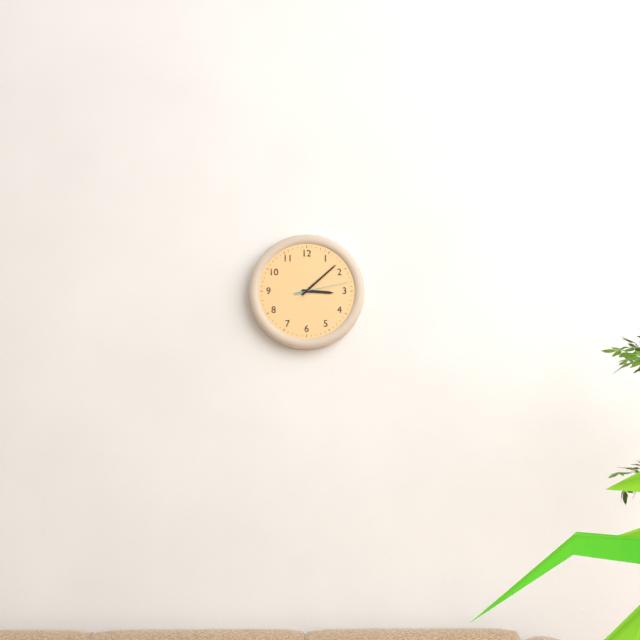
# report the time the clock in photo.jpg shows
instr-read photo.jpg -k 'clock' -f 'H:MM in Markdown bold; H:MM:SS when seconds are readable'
**3:08:13**
